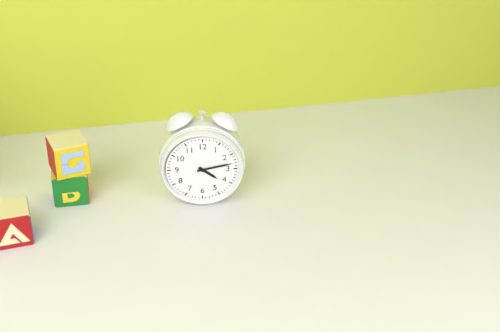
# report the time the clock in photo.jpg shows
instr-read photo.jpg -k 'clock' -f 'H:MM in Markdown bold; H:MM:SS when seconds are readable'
**4:13**
